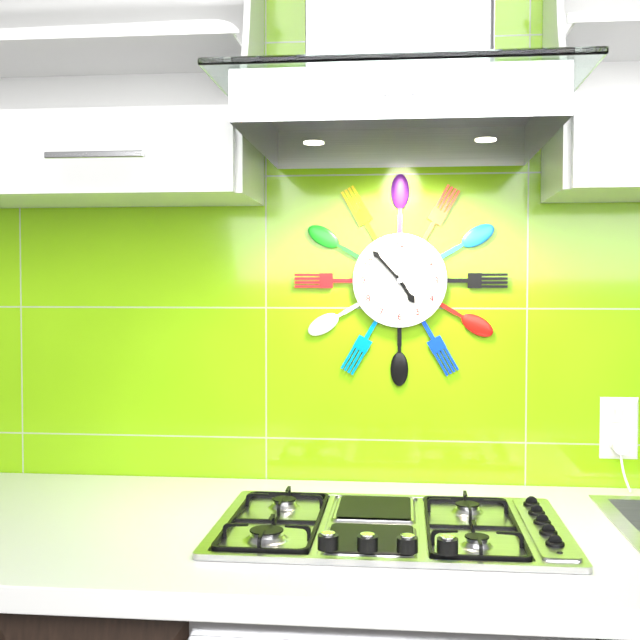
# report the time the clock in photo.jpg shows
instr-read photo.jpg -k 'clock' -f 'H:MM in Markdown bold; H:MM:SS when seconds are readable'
**4:53**
